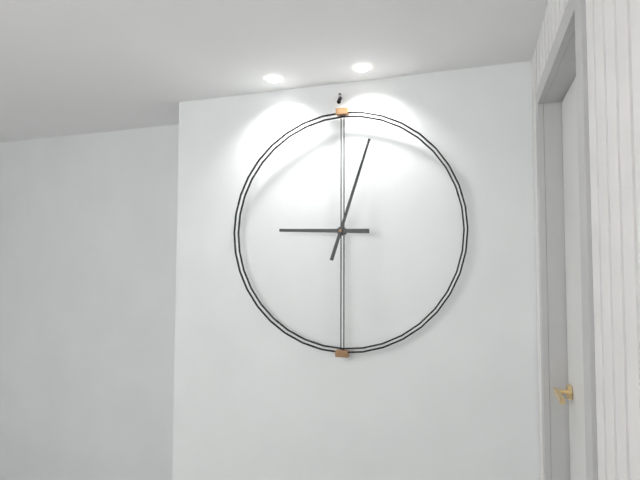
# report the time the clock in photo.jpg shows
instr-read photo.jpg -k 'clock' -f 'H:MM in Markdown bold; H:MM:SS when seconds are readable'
**9:03**
